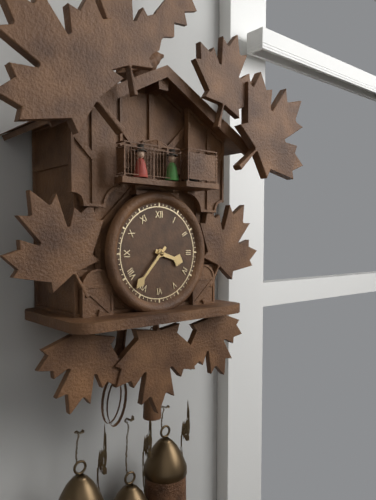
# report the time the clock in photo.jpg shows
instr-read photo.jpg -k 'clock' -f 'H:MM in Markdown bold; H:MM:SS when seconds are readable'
**3:37**
